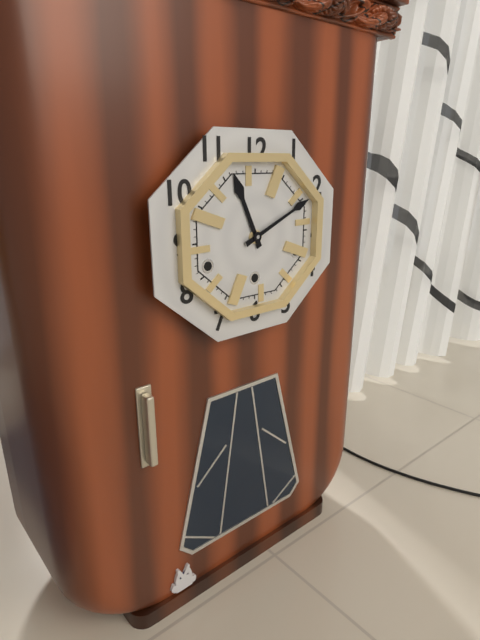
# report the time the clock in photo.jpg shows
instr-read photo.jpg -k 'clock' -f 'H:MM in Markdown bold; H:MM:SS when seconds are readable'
**11:11**
